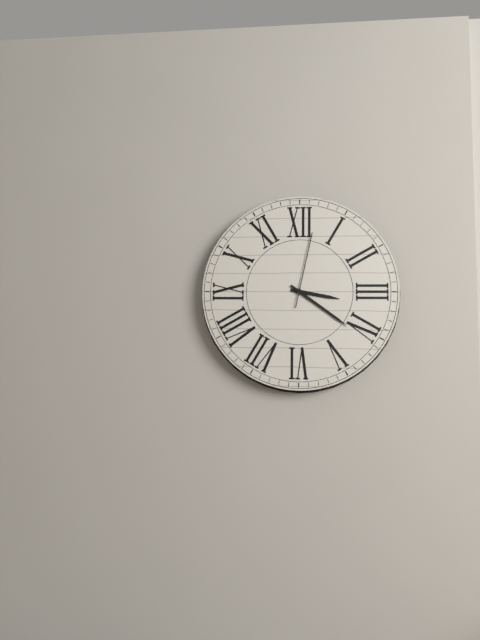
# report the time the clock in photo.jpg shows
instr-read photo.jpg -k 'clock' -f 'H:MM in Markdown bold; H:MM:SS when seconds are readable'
**3:21:02**
